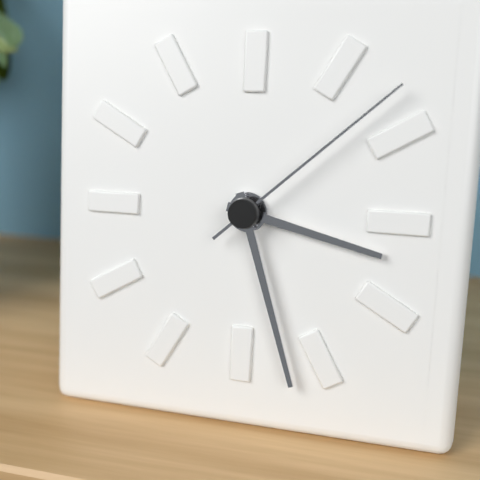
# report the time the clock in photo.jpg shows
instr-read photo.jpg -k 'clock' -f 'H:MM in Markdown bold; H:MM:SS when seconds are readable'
**3:27:08**
